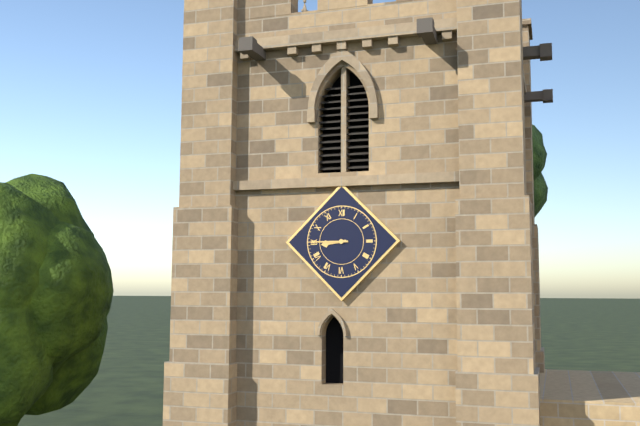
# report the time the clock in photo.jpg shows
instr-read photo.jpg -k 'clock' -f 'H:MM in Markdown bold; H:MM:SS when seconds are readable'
**8:45**
